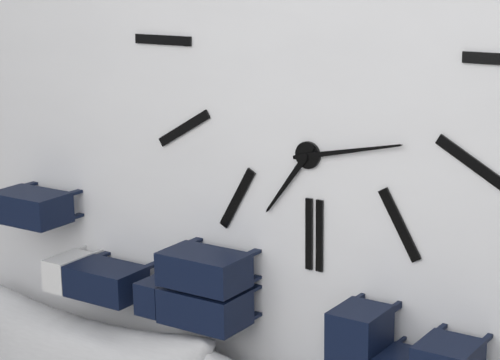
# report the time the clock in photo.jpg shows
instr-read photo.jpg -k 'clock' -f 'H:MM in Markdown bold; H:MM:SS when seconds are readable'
**7:13**
